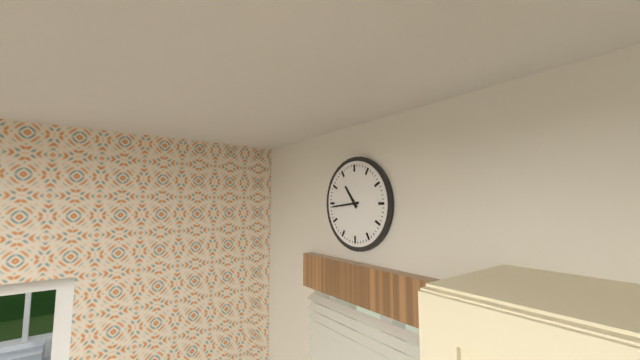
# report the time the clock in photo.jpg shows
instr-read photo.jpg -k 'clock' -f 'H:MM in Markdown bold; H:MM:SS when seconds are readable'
**10:44**
